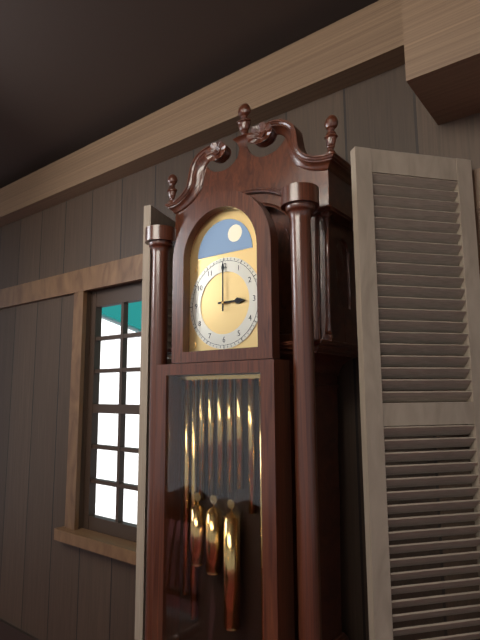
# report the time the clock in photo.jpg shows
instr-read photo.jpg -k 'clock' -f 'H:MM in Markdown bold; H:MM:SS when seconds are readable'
**3:00**
